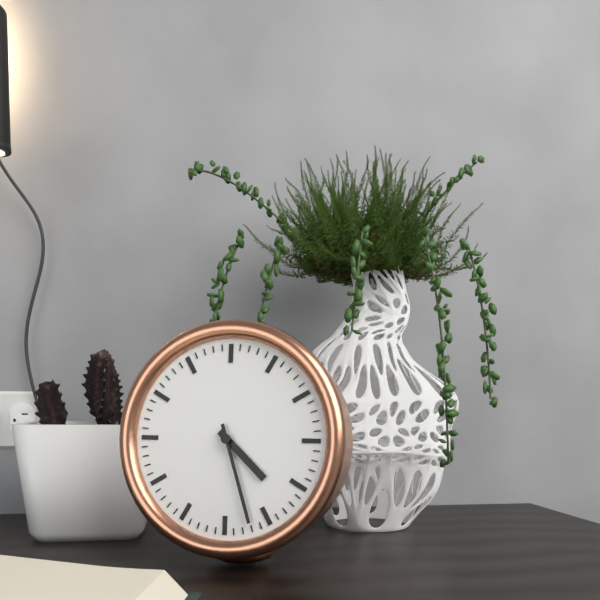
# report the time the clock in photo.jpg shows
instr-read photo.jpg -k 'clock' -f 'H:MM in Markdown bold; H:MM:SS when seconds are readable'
**4:27**
